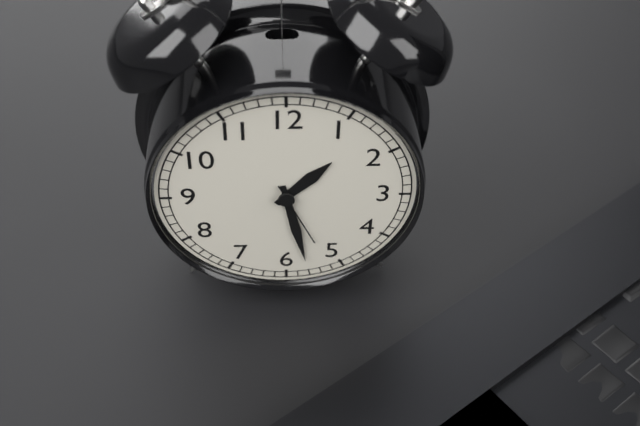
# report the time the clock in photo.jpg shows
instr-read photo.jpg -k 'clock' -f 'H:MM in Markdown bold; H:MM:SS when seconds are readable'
**1:28:26**
